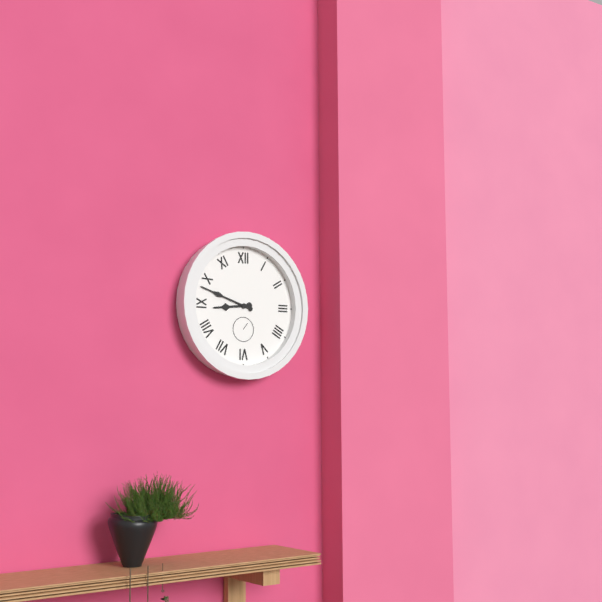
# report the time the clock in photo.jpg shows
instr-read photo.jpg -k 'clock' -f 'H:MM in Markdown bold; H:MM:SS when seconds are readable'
**8:48**
